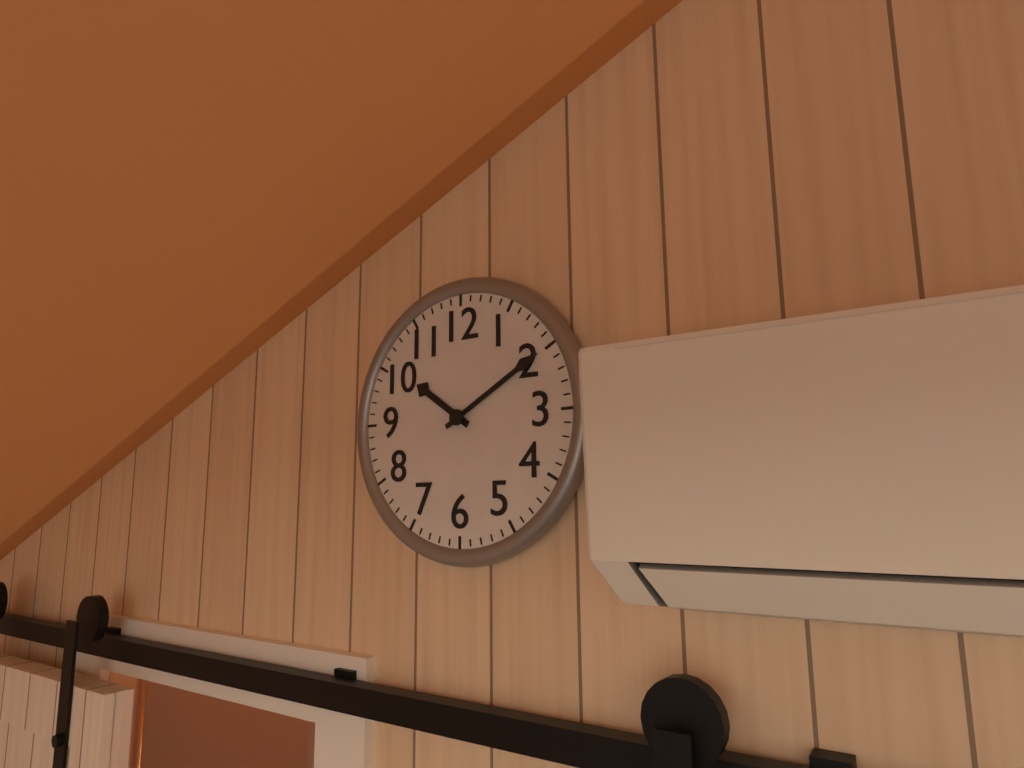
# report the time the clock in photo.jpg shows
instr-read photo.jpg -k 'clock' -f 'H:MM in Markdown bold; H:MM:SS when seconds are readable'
**10:10**
